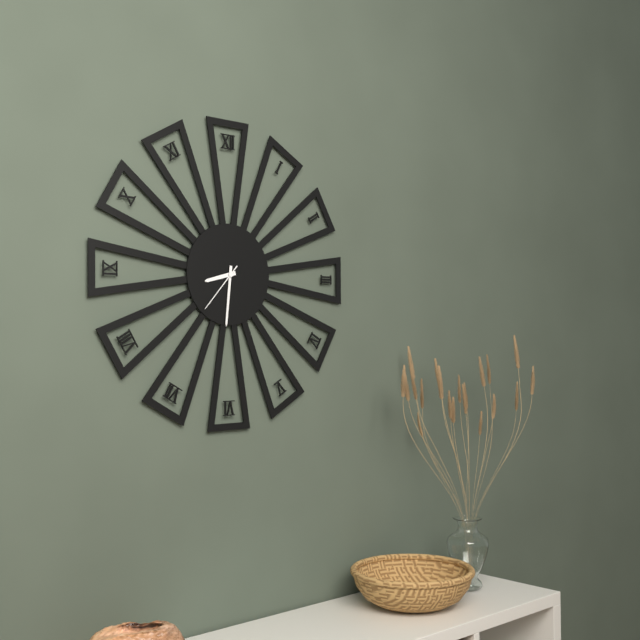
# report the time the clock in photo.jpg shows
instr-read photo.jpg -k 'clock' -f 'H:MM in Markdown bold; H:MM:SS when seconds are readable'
**8:31:37**
